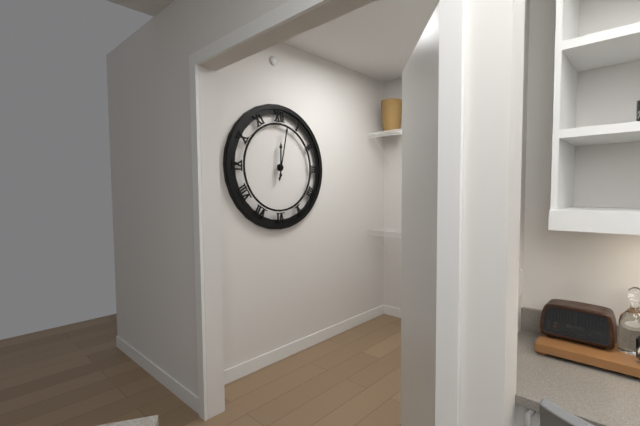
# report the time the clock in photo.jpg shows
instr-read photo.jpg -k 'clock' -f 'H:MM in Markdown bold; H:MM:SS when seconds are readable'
**12:02**
